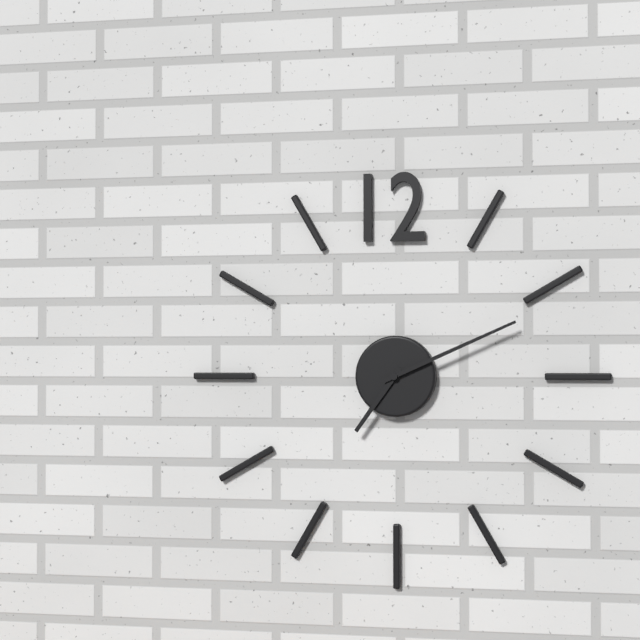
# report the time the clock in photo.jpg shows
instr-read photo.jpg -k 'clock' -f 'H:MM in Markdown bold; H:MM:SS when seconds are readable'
**7:11**
